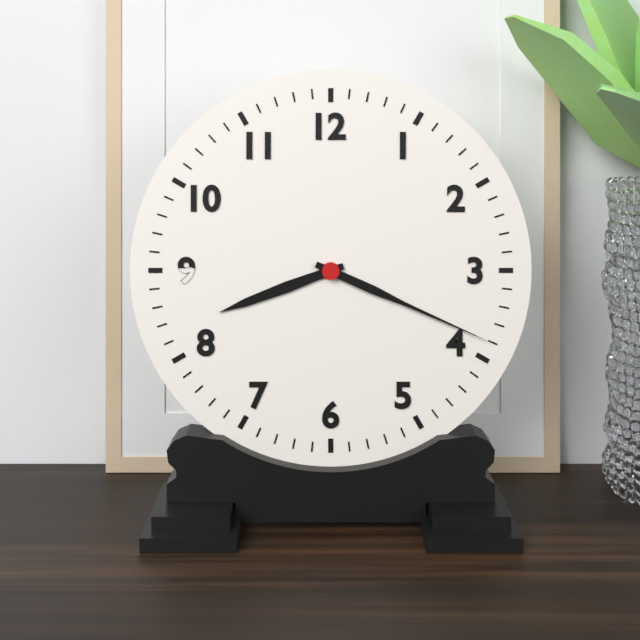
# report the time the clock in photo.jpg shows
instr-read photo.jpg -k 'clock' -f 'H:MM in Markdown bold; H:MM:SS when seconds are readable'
**8:19**
